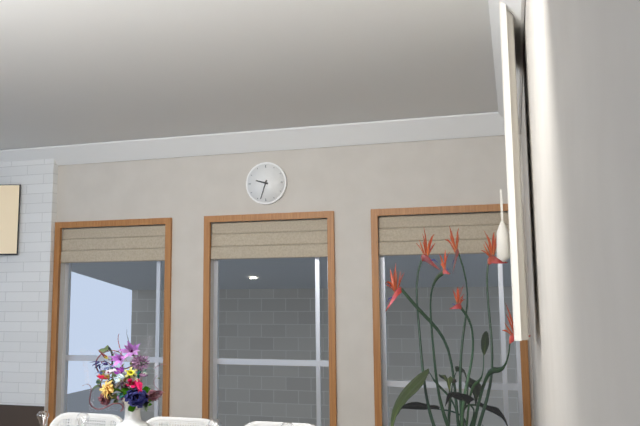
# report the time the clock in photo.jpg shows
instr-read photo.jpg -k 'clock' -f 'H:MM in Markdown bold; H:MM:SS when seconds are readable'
**9:33**
